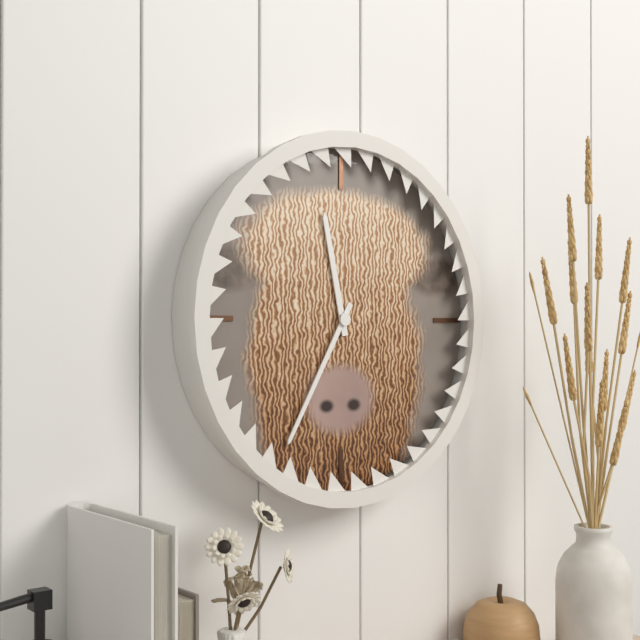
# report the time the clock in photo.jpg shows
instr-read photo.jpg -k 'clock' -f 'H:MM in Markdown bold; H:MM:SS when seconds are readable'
**11:35**
